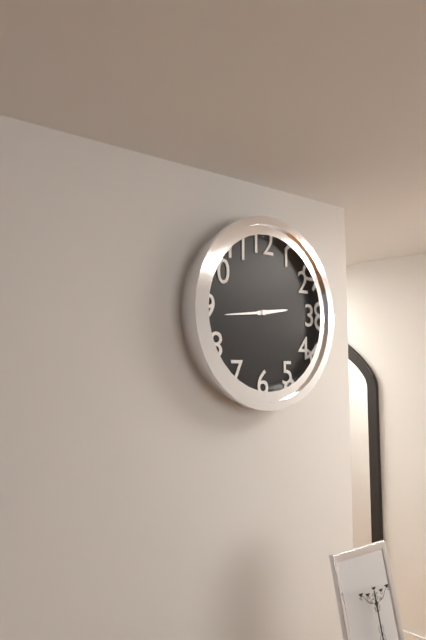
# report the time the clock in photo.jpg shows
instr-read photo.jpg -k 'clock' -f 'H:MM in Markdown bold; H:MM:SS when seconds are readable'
**2:44**
